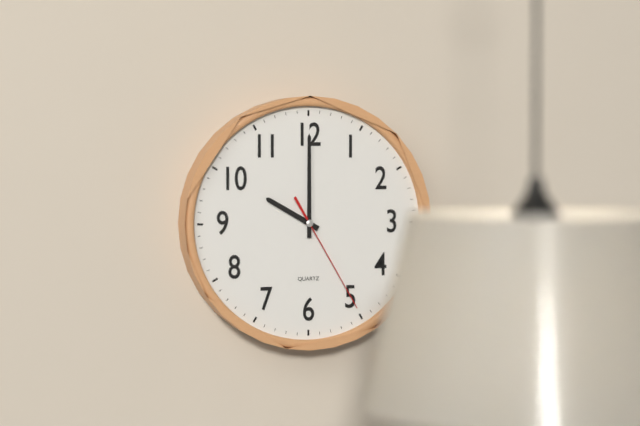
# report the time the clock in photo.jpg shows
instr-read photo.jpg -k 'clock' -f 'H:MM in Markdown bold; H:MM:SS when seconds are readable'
**10:00:25**
